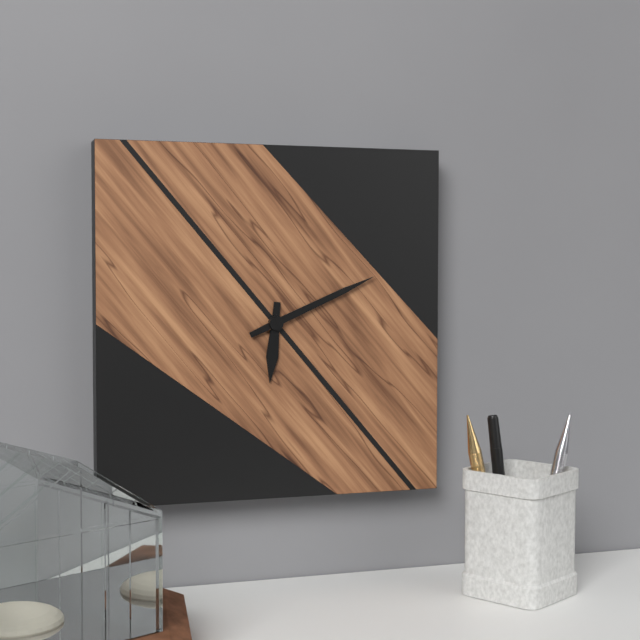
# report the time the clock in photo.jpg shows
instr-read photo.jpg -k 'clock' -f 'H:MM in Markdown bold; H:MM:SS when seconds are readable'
**6:11**
